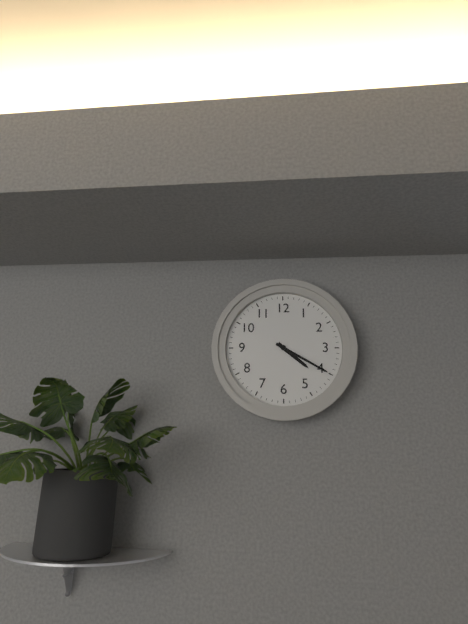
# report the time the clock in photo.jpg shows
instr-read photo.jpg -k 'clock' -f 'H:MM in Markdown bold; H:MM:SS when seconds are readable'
**4:20**
